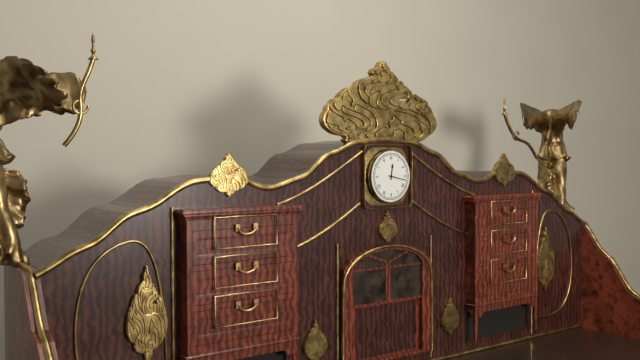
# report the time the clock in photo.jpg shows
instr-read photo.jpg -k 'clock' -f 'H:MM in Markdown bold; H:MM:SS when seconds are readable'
**12:17**
